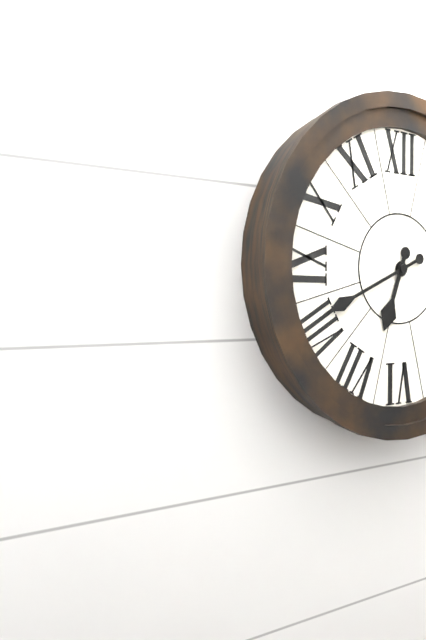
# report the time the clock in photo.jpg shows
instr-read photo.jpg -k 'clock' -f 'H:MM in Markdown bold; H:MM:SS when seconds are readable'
**6:41**
